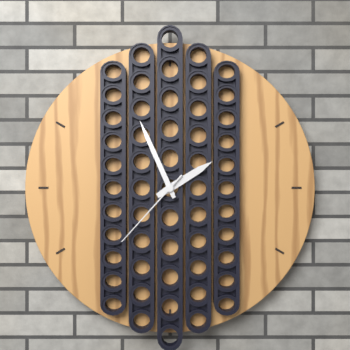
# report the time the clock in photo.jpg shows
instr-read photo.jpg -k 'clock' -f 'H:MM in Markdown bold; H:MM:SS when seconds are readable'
**1:56:37**
